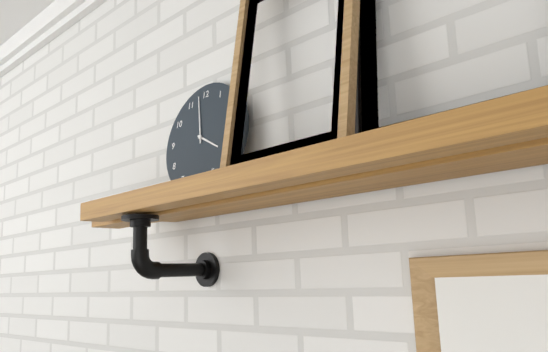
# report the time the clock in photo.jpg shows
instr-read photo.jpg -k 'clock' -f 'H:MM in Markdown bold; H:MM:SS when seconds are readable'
**3:58**
